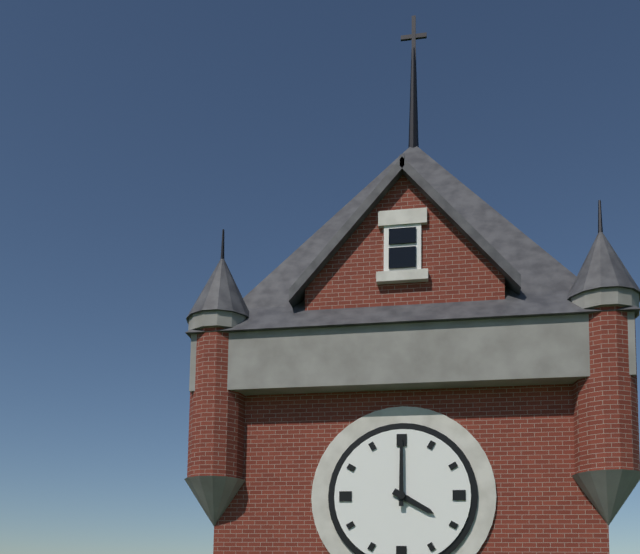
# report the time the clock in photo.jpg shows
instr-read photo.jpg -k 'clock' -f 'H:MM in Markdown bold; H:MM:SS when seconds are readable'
**4:00**
